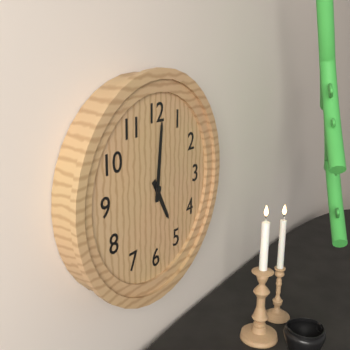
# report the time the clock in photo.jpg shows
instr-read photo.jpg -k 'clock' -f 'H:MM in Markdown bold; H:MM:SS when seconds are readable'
**5:01**
